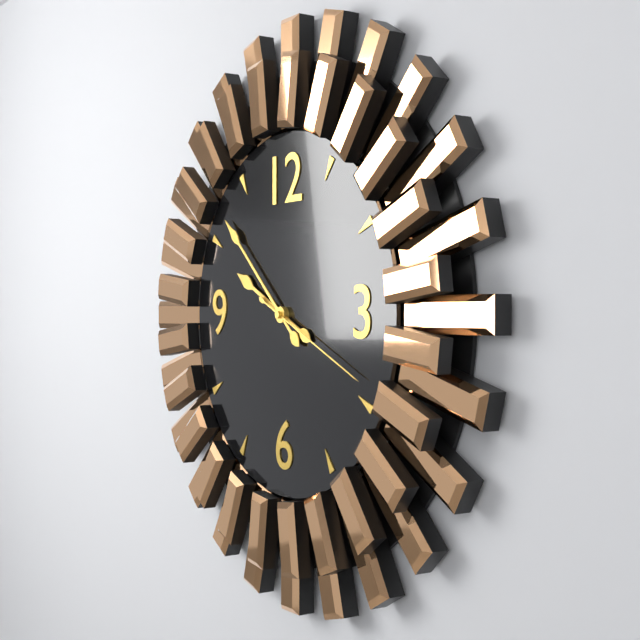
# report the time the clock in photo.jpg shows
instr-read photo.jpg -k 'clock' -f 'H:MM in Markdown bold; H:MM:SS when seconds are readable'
**9:52:19**
